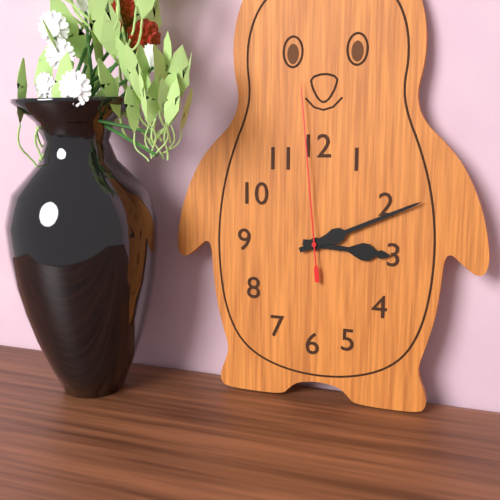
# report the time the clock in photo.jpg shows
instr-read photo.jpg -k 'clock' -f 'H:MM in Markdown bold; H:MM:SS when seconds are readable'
**3:11:59**
